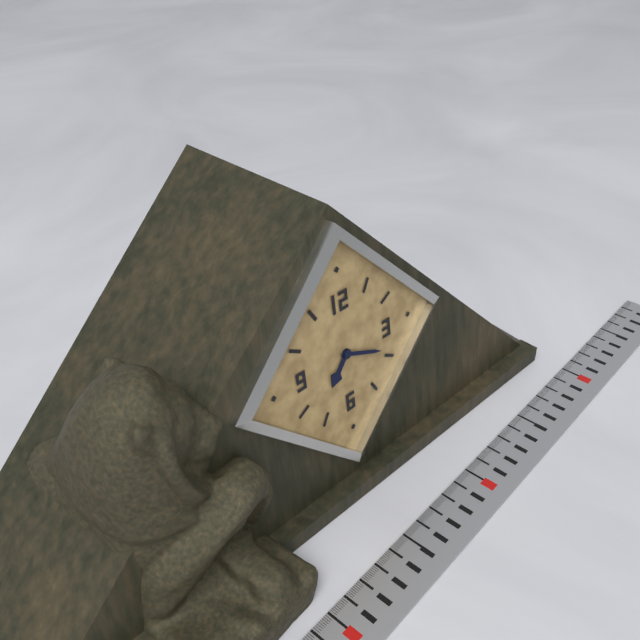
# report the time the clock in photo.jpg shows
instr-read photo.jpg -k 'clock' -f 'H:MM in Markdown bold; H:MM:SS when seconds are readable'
**7:19**
